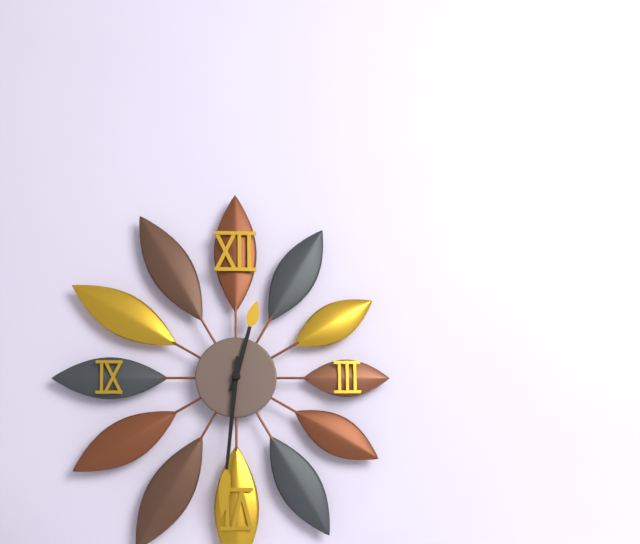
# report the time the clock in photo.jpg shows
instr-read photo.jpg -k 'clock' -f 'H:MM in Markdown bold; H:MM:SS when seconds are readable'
**12:31**
